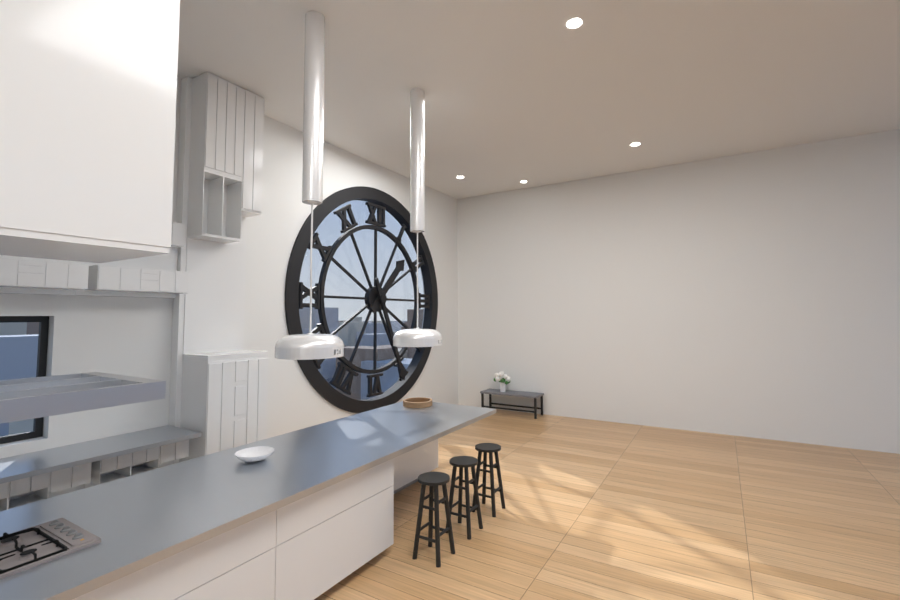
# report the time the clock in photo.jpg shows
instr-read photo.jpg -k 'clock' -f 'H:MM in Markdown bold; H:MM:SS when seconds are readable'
**1:26**
